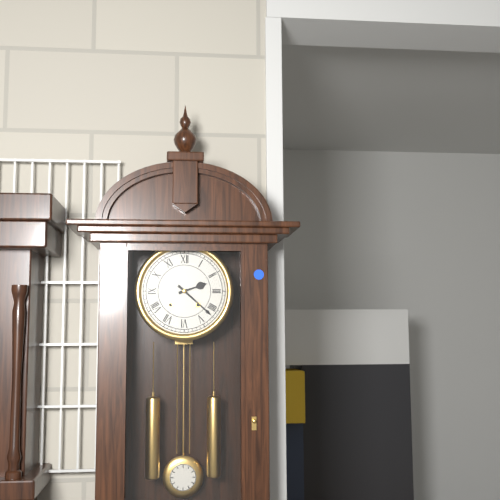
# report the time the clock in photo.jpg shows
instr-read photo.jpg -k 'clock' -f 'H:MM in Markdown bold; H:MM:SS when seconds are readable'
**2:22**
